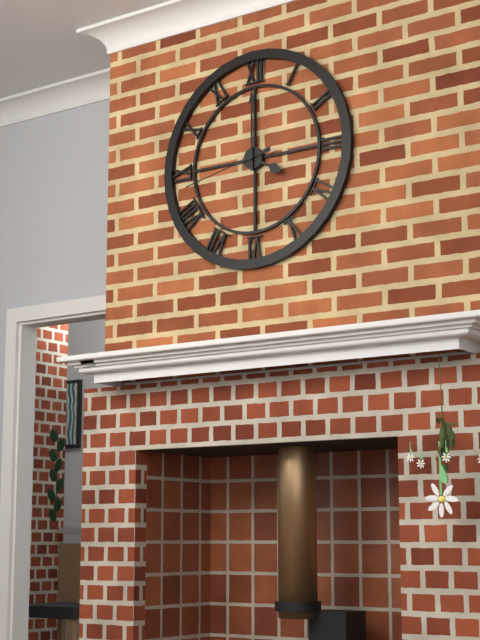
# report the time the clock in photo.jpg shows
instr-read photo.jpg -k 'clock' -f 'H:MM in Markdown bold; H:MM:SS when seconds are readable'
**4:00:43**
